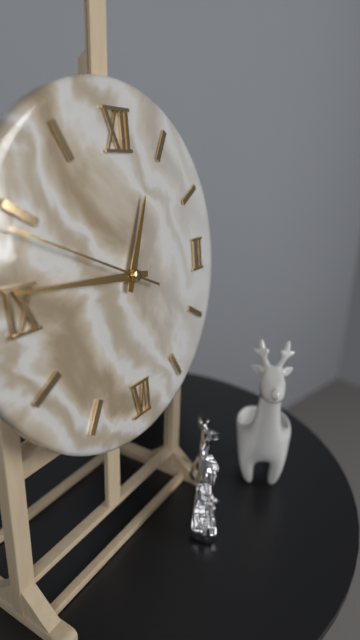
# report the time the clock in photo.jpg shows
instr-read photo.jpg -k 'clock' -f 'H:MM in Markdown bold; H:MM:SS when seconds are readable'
**12:46:49**
